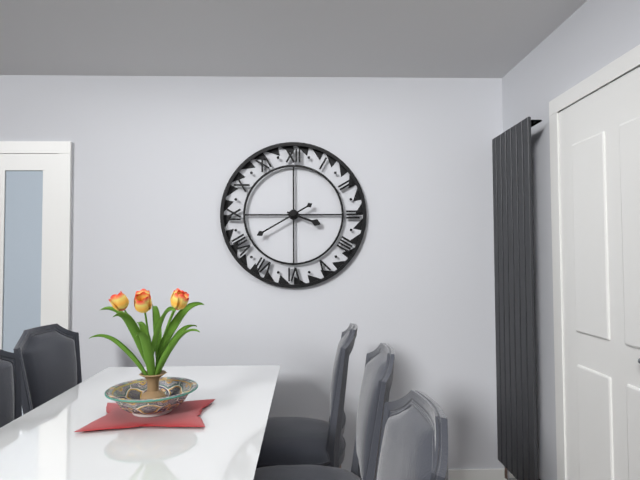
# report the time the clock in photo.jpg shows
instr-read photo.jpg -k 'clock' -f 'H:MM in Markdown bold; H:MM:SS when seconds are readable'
**3:40**
